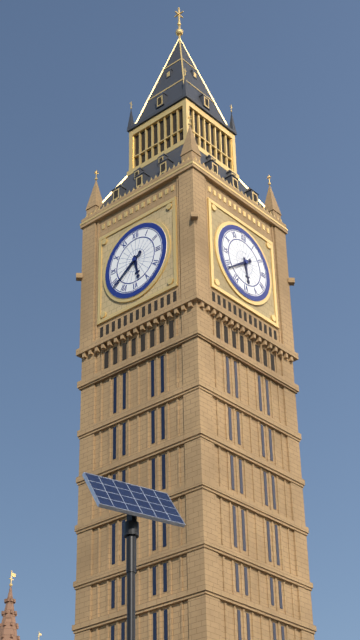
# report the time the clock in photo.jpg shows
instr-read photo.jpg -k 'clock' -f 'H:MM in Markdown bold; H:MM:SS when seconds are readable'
**5:39**
